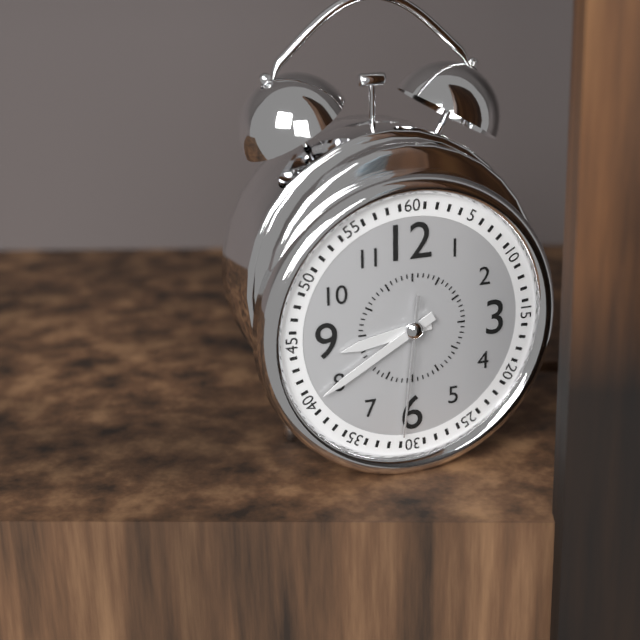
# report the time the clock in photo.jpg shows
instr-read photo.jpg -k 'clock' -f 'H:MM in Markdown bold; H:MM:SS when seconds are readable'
**8:40:31**
